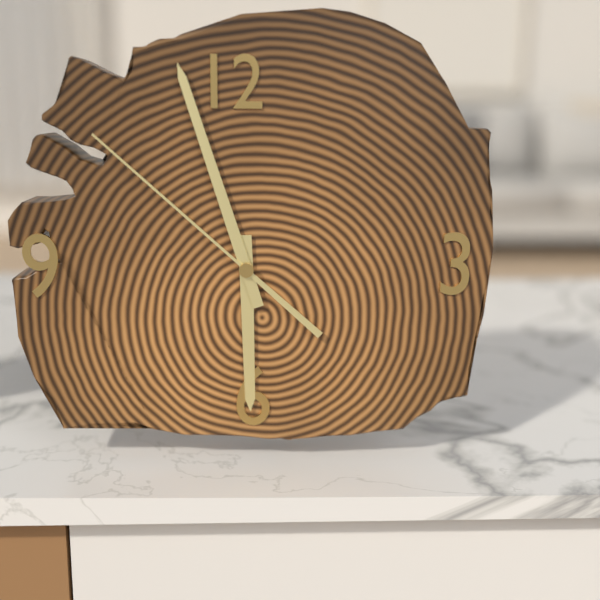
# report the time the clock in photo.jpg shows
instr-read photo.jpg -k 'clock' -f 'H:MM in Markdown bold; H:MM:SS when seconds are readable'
**5:57:52**
